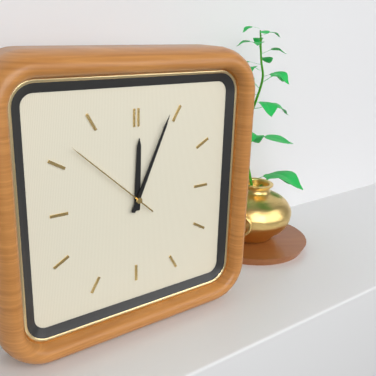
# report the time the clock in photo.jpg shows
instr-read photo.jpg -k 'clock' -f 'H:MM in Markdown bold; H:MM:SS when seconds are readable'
**12:04:52**
